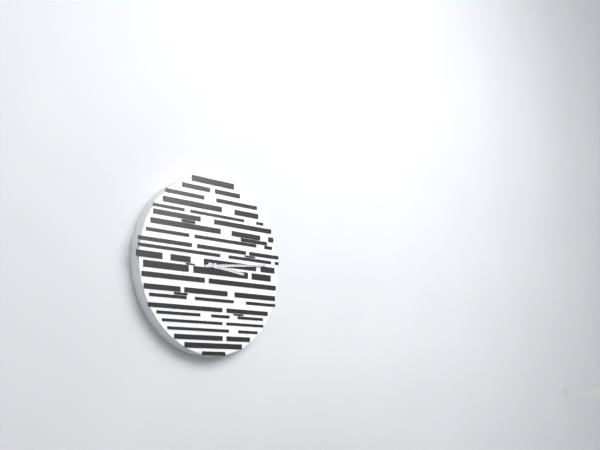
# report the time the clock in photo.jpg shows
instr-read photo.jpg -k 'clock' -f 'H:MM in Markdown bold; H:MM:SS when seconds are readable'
**3:14**
